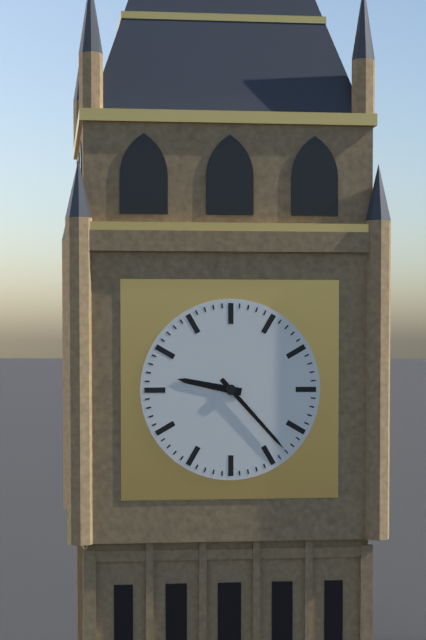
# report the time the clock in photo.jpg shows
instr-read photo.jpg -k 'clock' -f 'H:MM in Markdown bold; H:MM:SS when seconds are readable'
**9:23**
